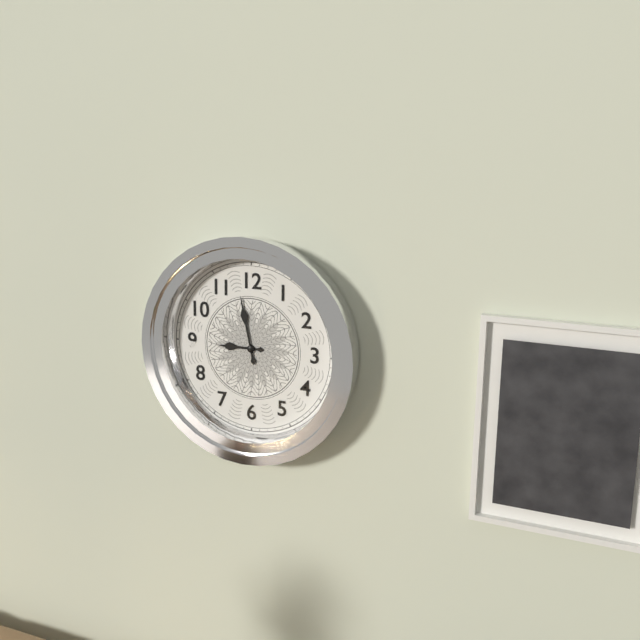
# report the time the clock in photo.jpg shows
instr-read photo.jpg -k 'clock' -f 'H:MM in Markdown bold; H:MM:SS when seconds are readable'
**8:58**
